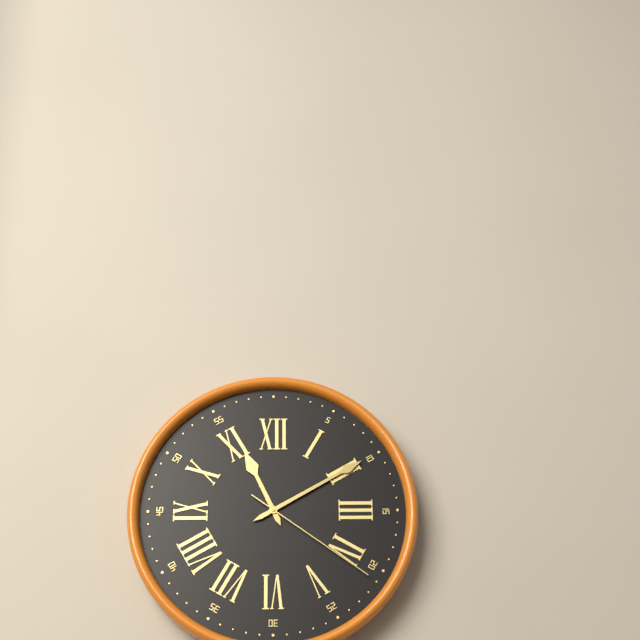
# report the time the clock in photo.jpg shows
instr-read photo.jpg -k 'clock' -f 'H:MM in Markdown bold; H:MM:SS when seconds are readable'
**11:10:21**
